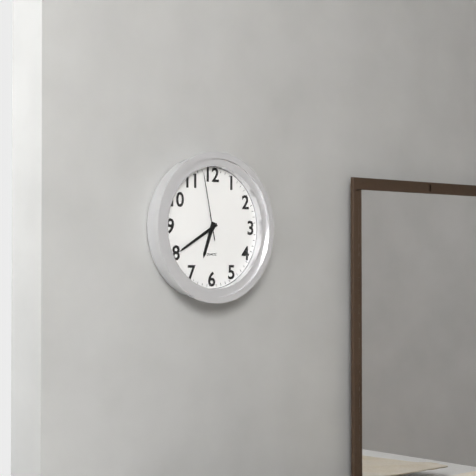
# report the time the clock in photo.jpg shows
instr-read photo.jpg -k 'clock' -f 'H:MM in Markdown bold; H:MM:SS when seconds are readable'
**6:40:58**
